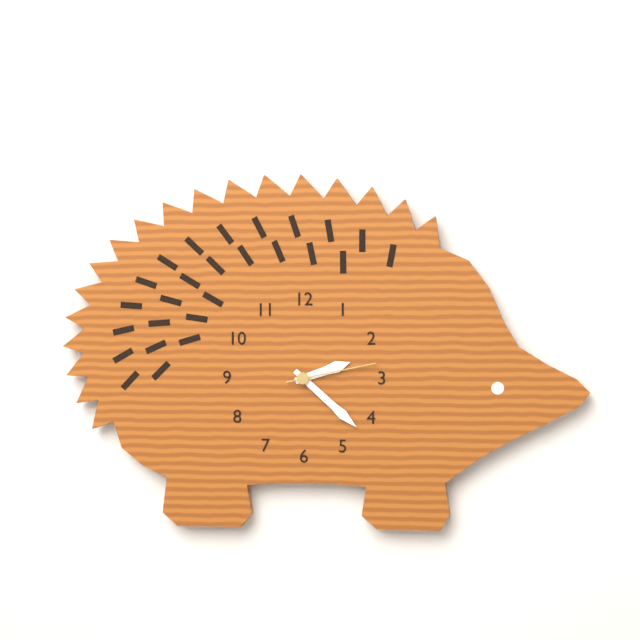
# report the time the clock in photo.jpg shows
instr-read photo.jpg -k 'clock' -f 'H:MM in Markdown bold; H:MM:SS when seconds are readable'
**2:22:13**
